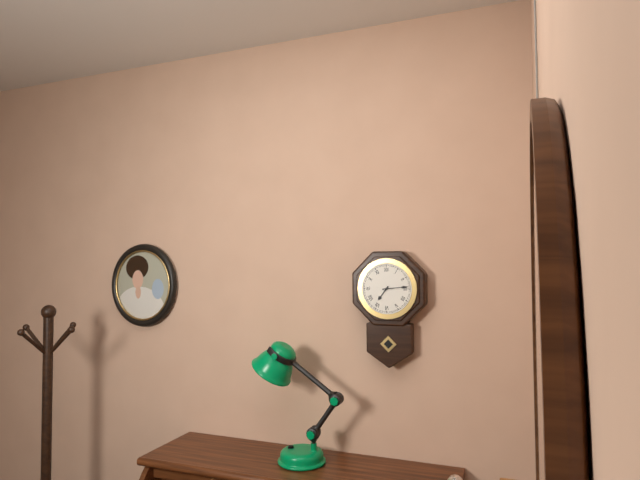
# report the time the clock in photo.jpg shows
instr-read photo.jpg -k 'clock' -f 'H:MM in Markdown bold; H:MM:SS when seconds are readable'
**7:14**
